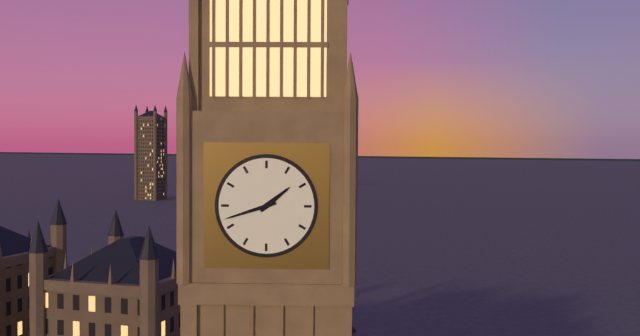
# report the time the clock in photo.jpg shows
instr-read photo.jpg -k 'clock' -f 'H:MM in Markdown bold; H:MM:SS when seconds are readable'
**1:42**
